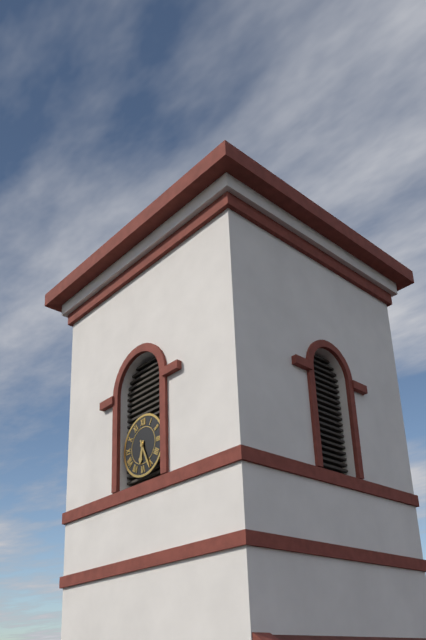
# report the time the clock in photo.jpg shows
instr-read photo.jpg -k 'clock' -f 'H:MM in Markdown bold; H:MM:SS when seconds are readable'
**6:26**
